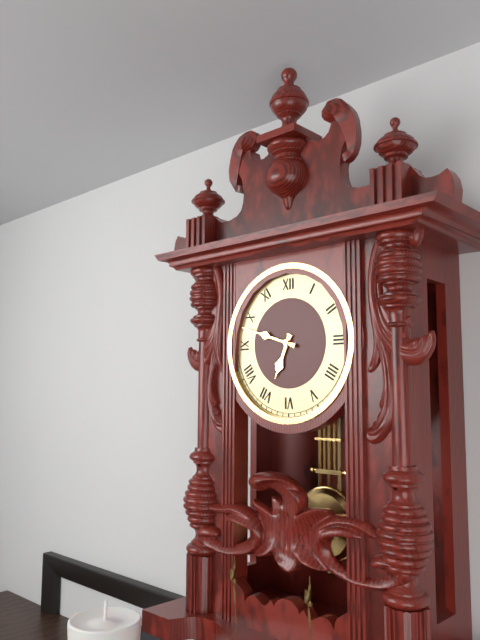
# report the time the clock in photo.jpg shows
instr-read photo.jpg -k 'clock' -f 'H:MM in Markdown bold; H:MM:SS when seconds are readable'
**6:48**
